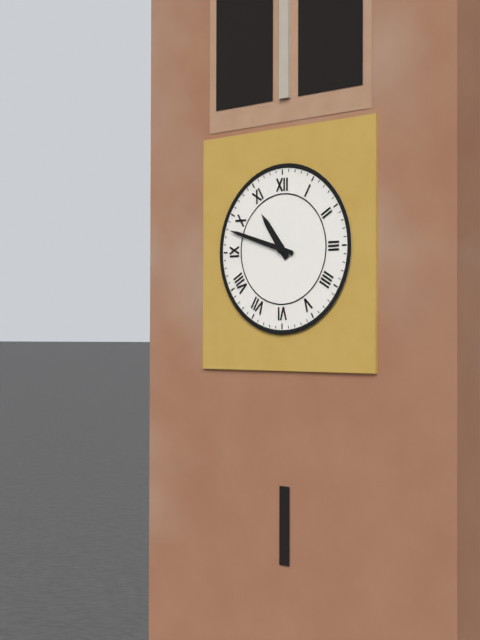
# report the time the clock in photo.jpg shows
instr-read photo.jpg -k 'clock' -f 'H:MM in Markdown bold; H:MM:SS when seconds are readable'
**10:48**
